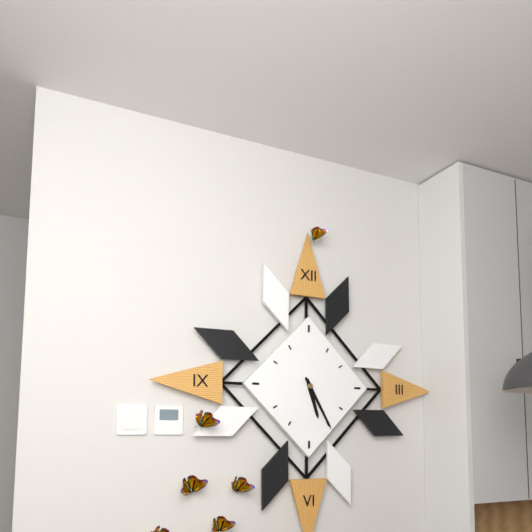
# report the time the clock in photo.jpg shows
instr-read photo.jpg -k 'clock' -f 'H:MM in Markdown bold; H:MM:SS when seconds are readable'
**5:25**
